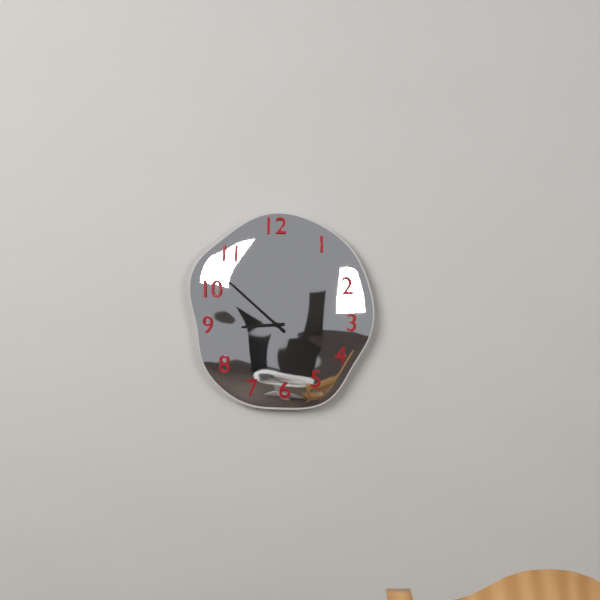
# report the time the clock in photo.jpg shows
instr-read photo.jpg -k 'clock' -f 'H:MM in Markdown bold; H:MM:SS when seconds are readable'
**8:52**
